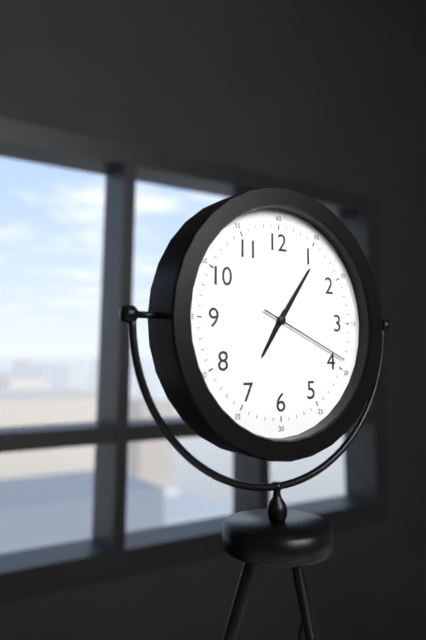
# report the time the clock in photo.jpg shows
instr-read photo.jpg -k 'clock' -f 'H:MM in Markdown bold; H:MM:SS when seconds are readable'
**7:06:19**
